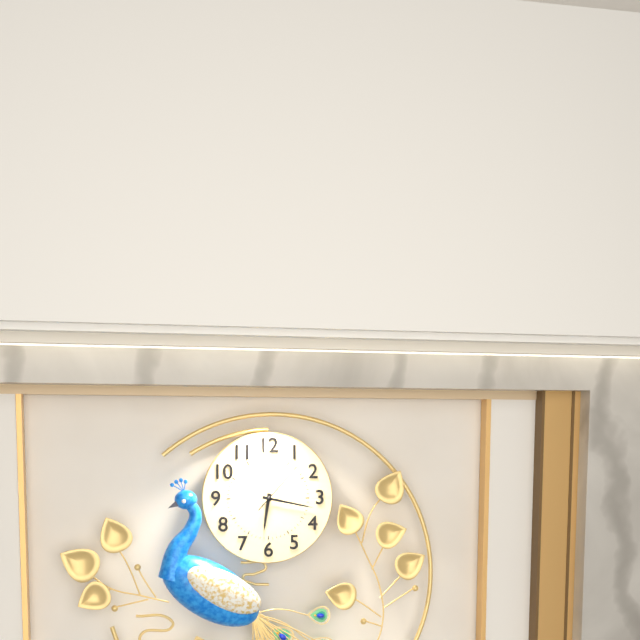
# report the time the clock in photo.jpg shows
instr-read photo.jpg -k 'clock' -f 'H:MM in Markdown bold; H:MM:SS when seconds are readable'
**6:17:07**
